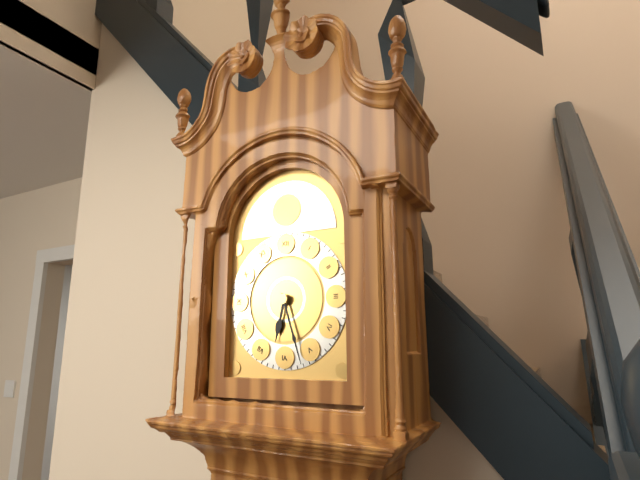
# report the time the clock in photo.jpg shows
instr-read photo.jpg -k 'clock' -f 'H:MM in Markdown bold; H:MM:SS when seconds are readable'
**6:27**
